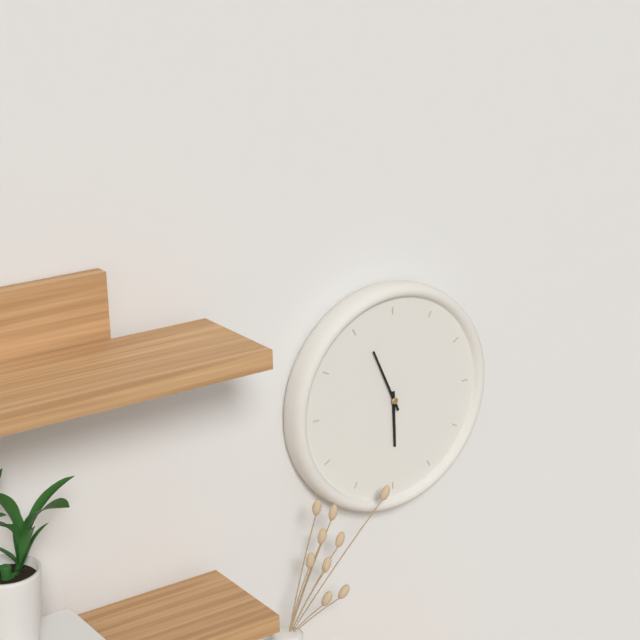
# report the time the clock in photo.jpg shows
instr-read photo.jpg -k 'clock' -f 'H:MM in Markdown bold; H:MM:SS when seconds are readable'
**5:56**
